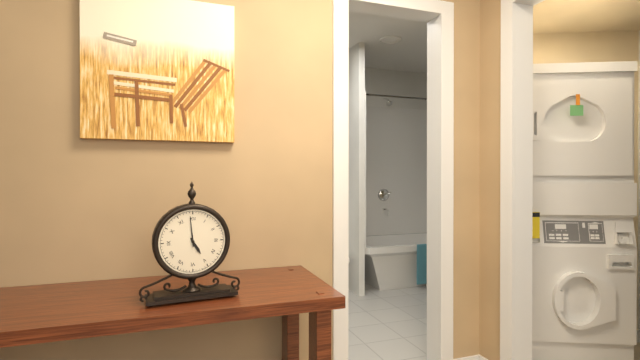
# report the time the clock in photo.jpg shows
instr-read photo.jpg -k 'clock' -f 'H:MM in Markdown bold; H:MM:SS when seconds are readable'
**4:59**
